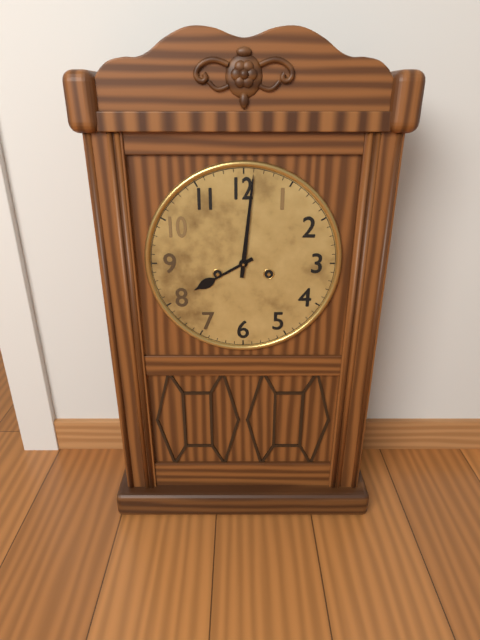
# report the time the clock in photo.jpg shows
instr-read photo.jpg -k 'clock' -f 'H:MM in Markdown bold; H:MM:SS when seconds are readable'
**8:01**
